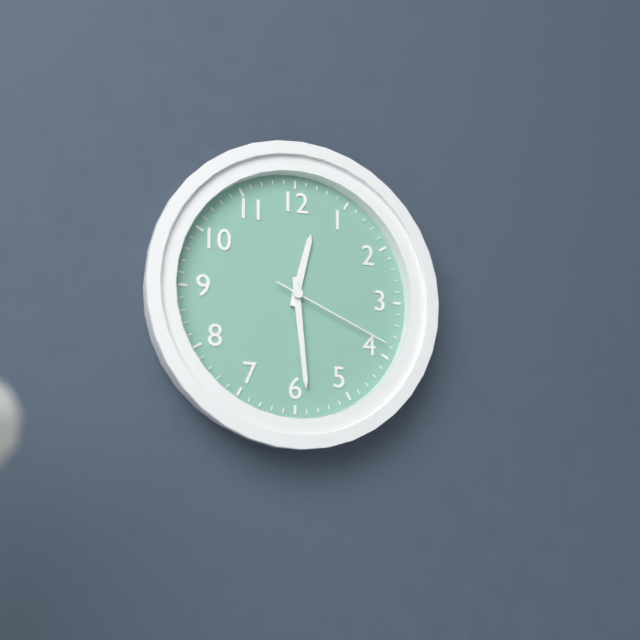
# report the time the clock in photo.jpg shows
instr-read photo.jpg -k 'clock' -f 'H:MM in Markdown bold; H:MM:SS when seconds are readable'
**12:29:19**
